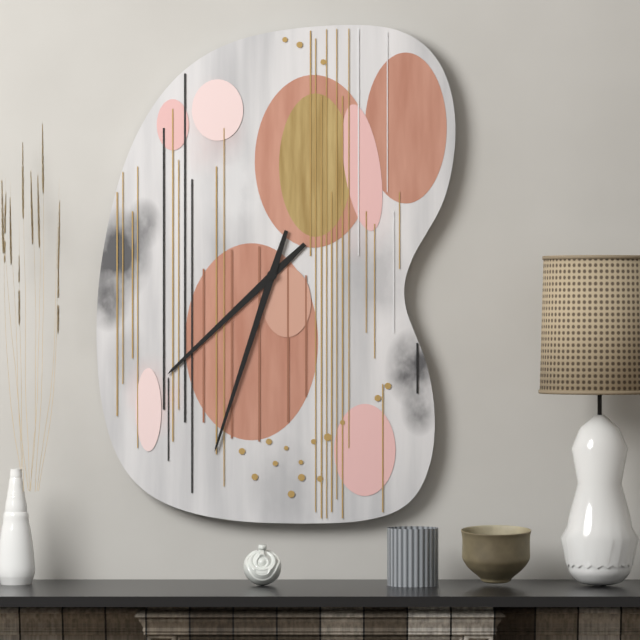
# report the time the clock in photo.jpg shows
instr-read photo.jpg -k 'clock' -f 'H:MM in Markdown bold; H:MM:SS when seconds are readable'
**7:33**
